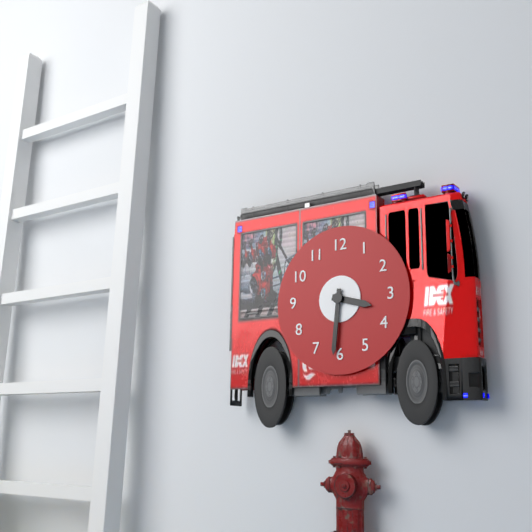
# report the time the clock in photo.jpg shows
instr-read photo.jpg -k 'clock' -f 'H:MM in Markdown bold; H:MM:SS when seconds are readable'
**3:31**
